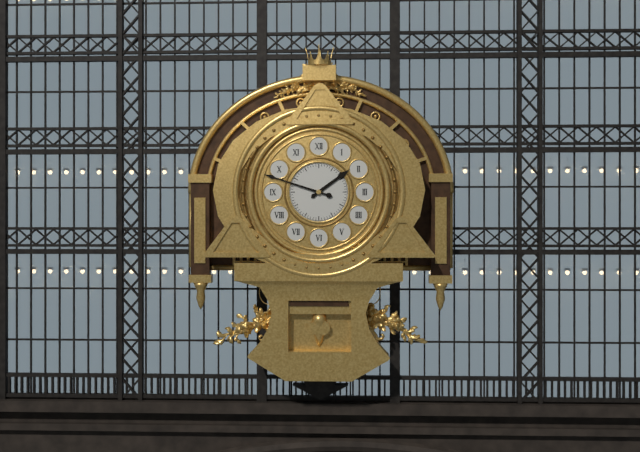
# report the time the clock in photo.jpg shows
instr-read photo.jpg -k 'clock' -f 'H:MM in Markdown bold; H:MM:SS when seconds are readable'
**1:48**
